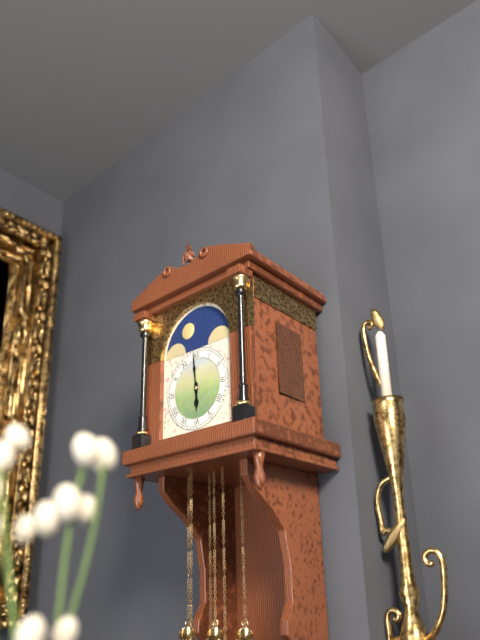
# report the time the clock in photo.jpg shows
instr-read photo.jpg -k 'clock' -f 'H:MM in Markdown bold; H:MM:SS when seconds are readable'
**5:59**
